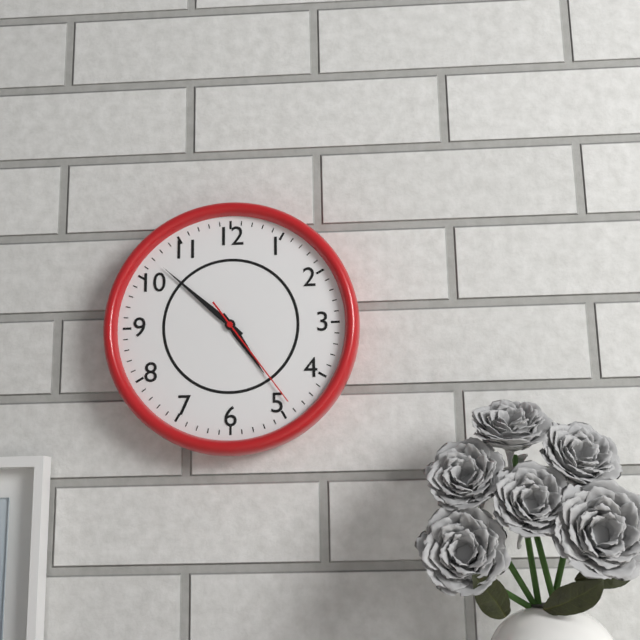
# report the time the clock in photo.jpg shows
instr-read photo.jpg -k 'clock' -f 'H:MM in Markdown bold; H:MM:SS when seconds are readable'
**4:52:24**
